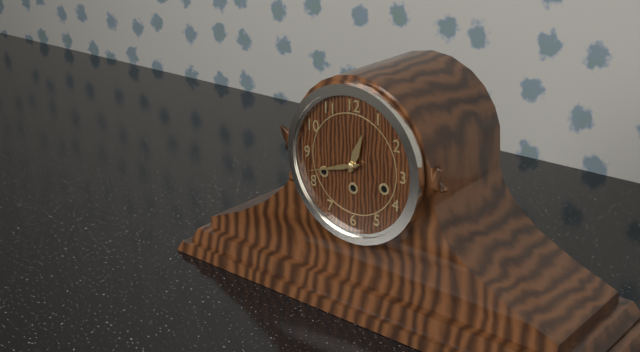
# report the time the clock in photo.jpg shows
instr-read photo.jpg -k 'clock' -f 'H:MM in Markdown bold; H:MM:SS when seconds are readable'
**12:42**
